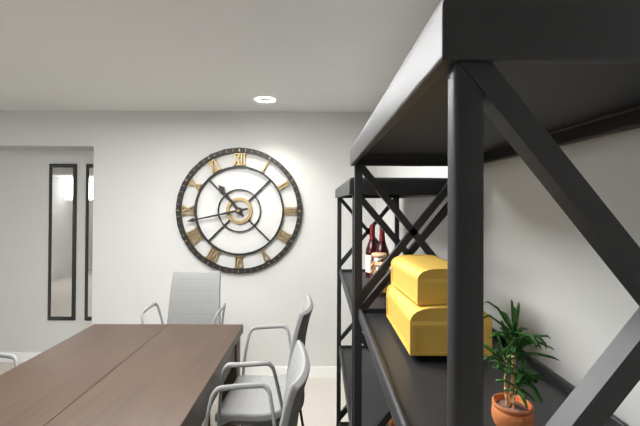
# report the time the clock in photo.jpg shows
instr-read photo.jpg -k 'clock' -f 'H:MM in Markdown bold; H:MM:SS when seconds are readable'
**10:43**
